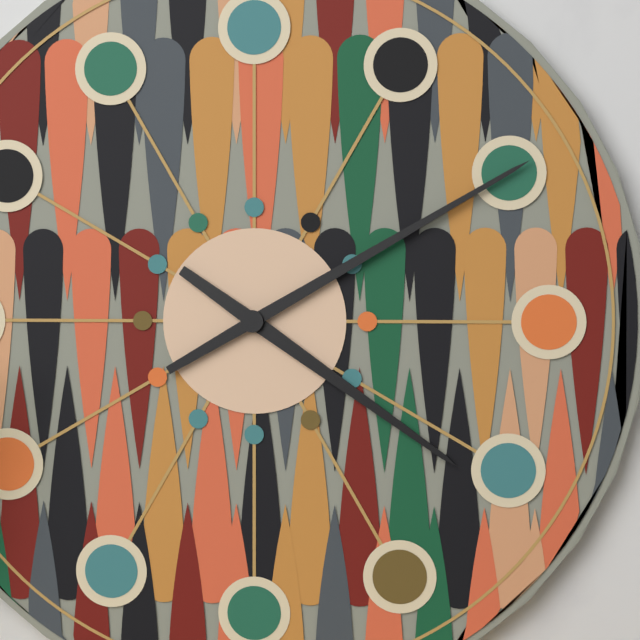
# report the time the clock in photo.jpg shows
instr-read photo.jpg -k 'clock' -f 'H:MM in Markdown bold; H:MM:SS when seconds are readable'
**4:10**
